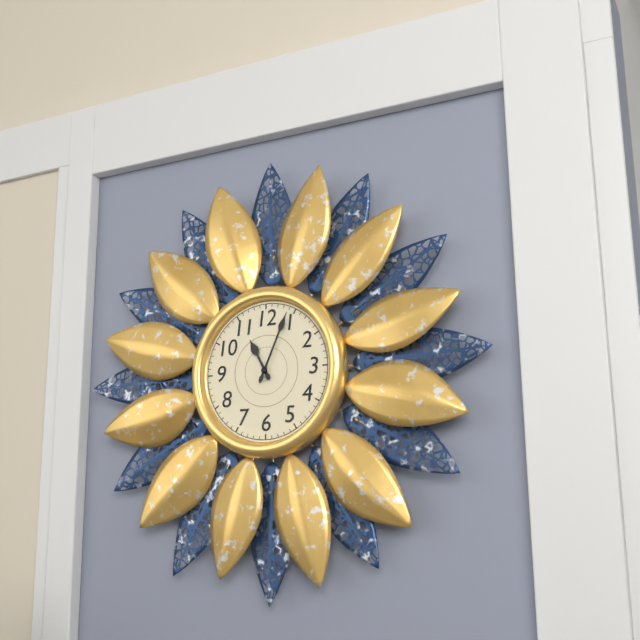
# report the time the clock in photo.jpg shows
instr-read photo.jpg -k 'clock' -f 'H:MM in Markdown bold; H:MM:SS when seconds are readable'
**11:04**
